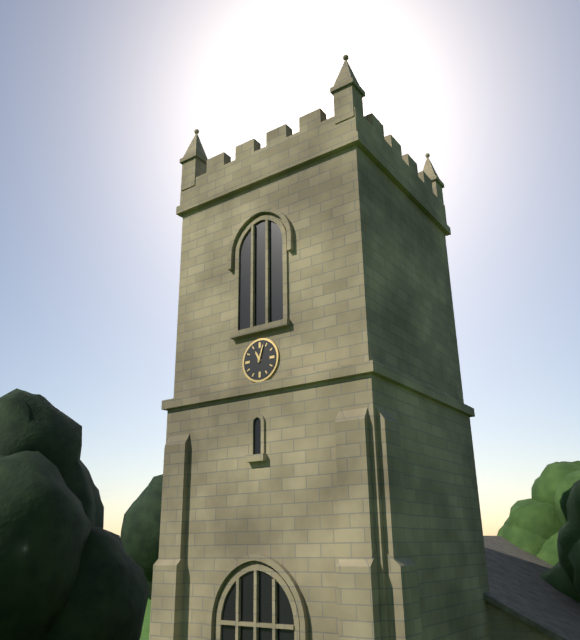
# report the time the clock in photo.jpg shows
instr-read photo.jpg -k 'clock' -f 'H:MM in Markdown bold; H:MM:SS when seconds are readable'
**11:03**
